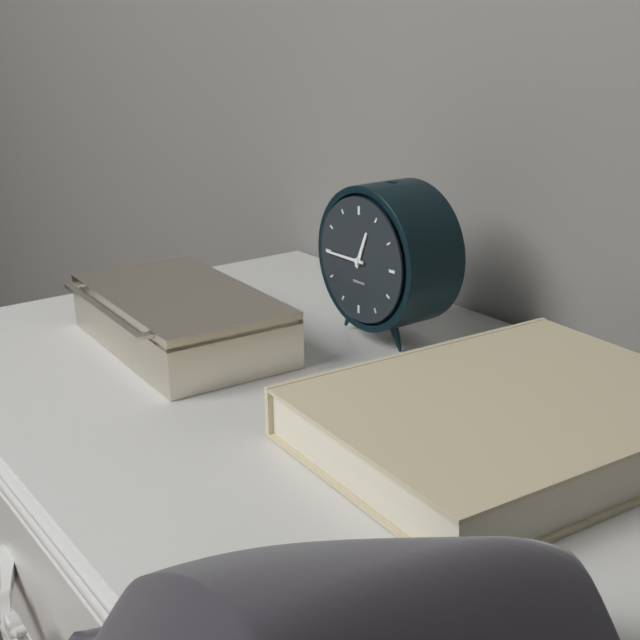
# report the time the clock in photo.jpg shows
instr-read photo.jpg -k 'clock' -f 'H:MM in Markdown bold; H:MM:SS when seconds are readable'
**12:45**
